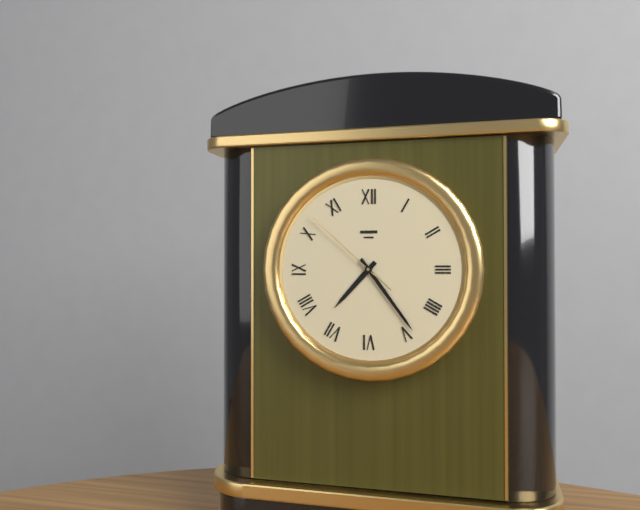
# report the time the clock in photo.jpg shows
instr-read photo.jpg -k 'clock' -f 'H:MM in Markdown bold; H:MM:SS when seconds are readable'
**7:24:52**
